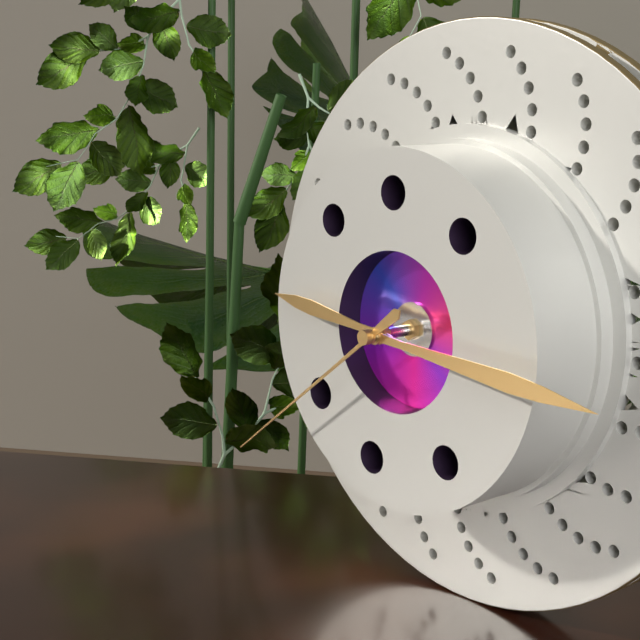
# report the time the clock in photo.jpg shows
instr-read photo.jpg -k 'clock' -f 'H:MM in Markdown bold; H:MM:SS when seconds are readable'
**9:16:39**
